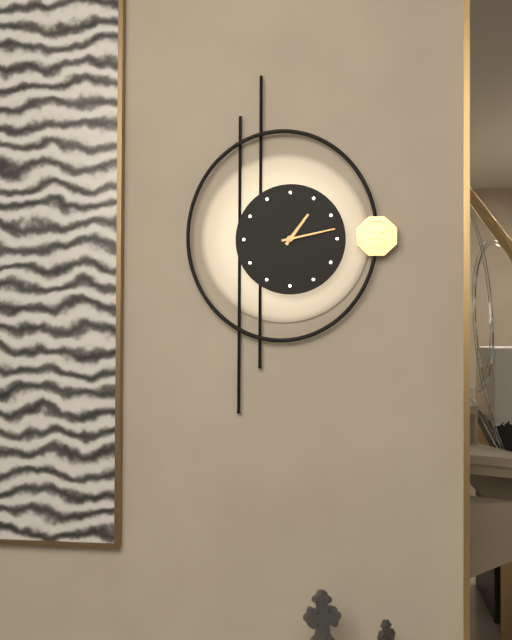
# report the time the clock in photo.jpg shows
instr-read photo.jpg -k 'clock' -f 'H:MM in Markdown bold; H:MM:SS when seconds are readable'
**1:13**
